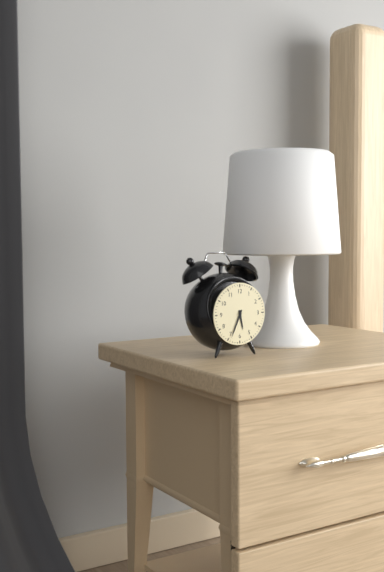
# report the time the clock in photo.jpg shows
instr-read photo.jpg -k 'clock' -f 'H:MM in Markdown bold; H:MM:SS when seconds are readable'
**5:34**
